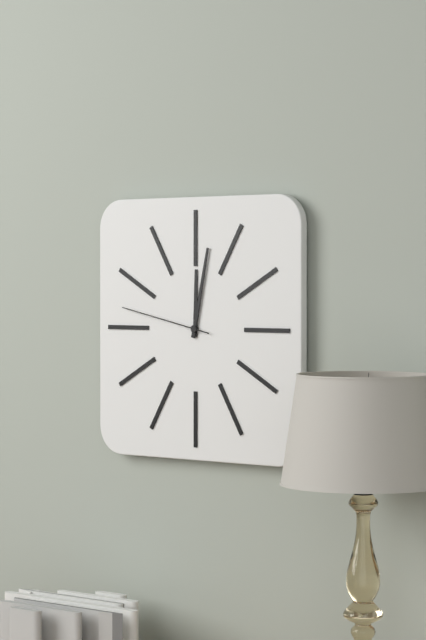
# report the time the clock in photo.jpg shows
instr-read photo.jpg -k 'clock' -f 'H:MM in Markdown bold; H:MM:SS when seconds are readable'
**12:02:47**
